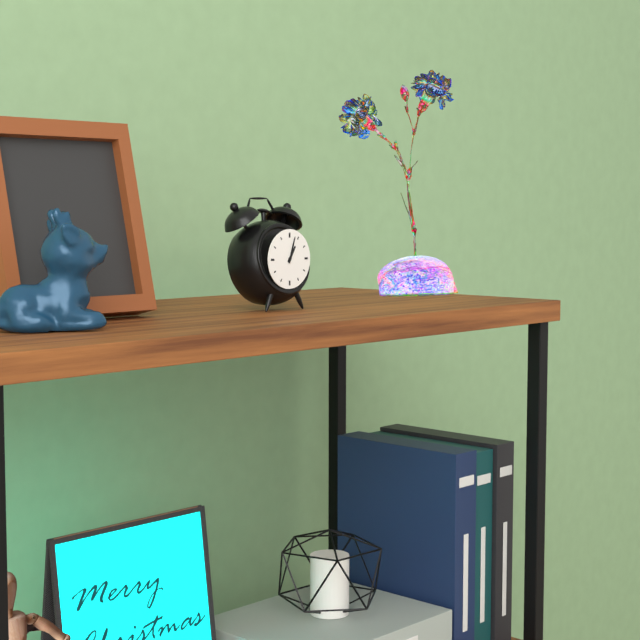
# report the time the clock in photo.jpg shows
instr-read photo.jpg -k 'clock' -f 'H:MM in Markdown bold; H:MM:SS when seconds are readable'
**1:03**
